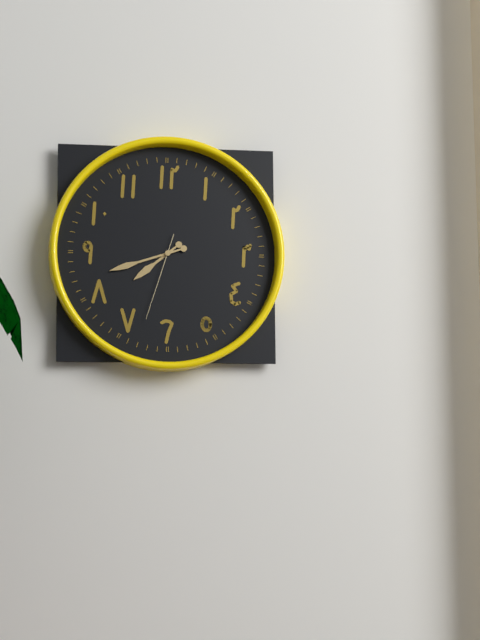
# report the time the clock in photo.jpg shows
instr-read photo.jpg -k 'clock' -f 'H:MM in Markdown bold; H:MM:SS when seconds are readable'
**7:42:33**
